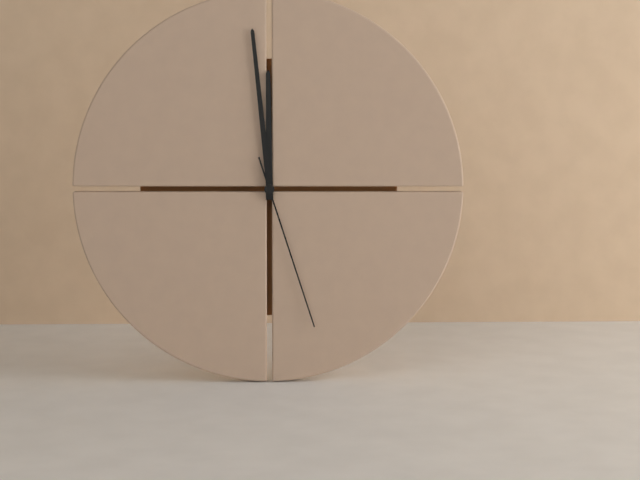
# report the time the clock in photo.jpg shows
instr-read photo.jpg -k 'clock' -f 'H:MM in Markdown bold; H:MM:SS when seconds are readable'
**11:59:27**
